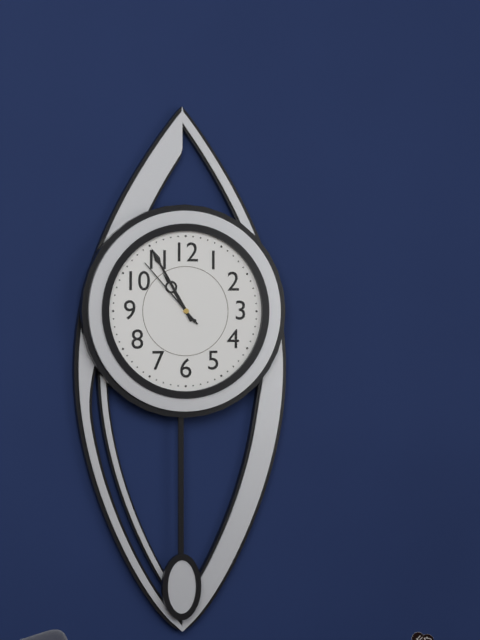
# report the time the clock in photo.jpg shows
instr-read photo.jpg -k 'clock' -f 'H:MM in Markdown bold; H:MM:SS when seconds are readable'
**10:55:53**
